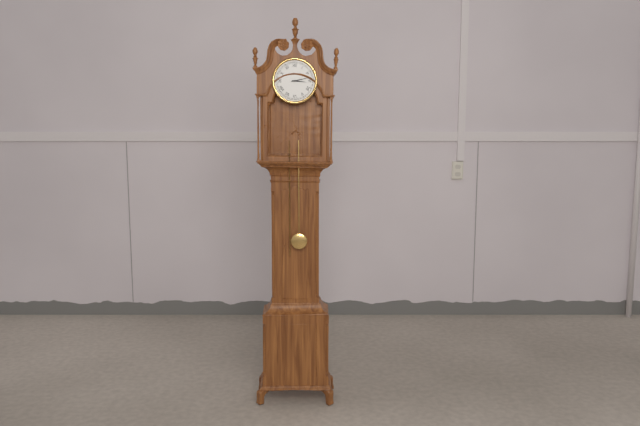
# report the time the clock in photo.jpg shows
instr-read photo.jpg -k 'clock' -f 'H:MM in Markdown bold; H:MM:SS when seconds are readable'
**3:13**
